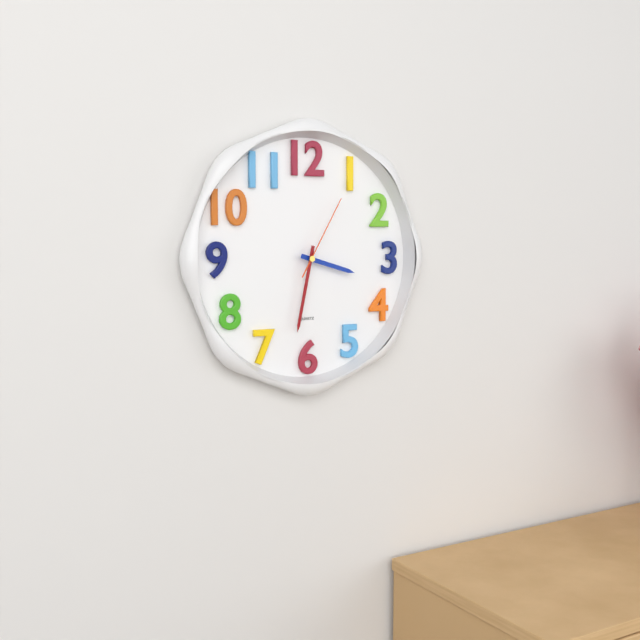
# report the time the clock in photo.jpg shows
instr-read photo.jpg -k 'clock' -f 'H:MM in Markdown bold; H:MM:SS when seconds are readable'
**3:32:05**
